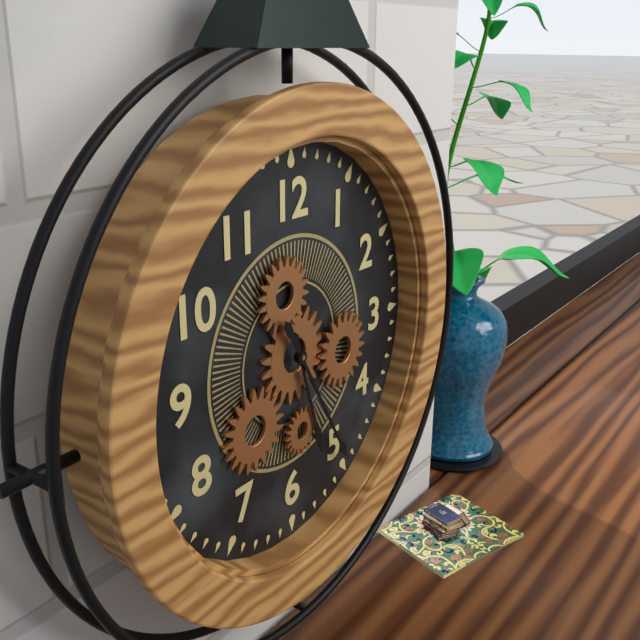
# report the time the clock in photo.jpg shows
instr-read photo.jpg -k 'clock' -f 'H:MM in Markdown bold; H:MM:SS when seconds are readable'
**5:25**
